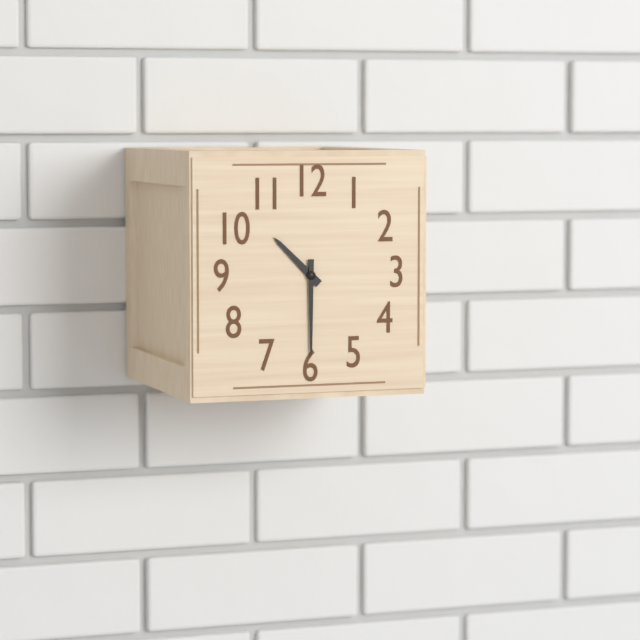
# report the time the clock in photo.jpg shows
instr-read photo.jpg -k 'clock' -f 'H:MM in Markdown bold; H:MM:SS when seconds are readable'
**10:30**
